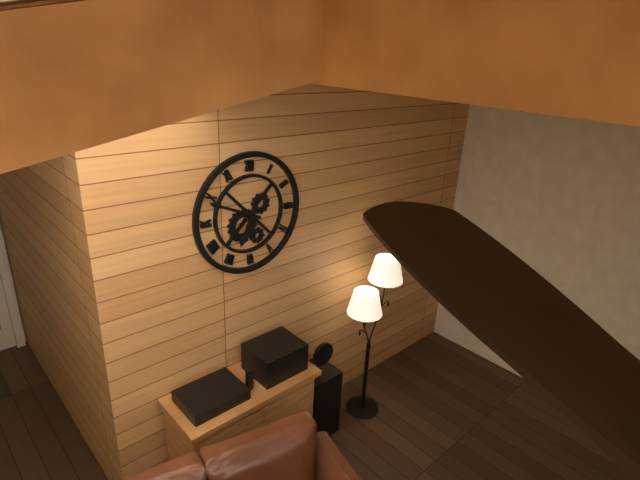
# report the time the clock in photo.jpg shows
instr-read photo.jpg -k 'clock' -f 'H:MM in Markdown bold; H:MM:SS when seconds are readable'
**6:49**
